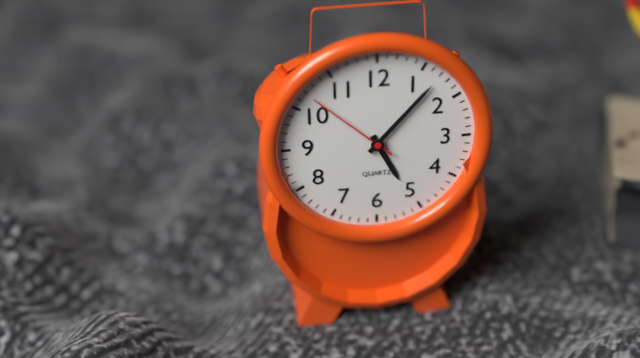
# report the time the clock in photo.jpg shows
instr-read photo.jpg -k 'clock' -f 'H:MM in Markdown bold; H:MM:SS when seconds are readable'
**5:07:52**
